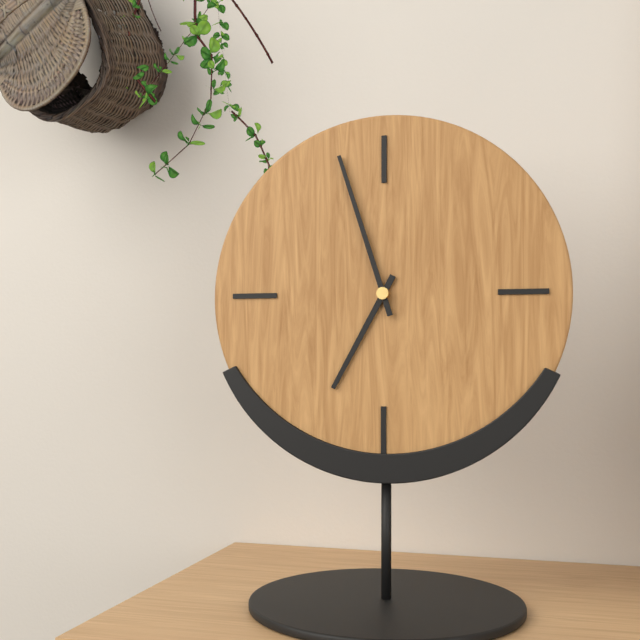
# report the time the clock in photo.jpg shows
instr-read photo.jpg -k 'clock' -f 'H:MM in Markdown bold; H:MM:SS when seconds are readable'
**6:57**
